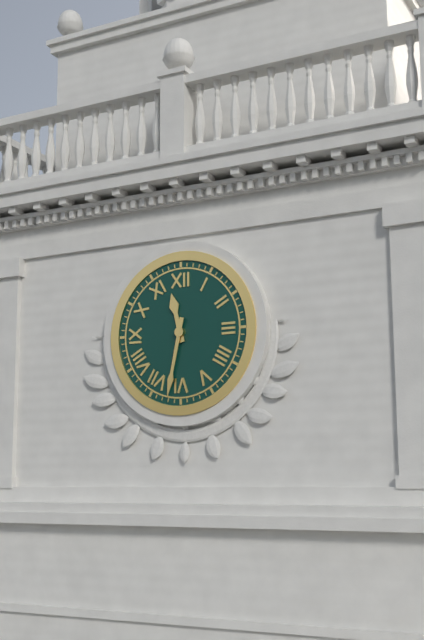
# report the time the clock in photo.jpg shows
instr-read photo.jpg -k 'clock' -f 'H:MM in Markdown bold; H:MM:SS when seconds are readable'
**11:32**
